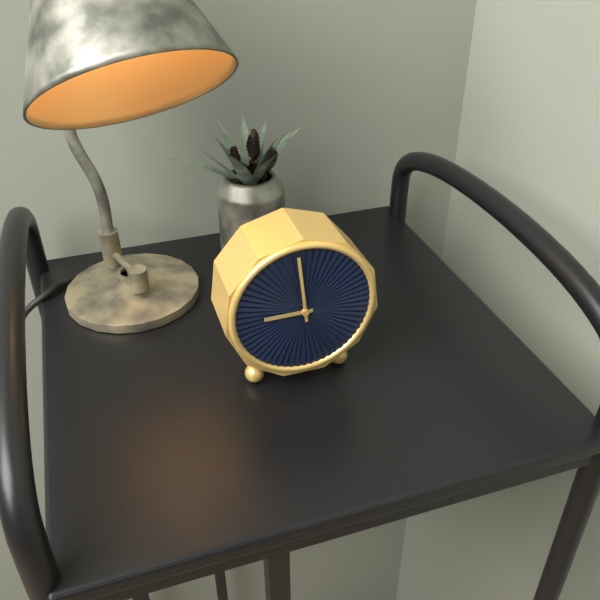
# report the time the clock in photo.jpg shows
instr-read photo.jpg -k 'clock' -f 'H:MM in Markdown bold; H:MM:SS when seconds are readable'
**8:59**
